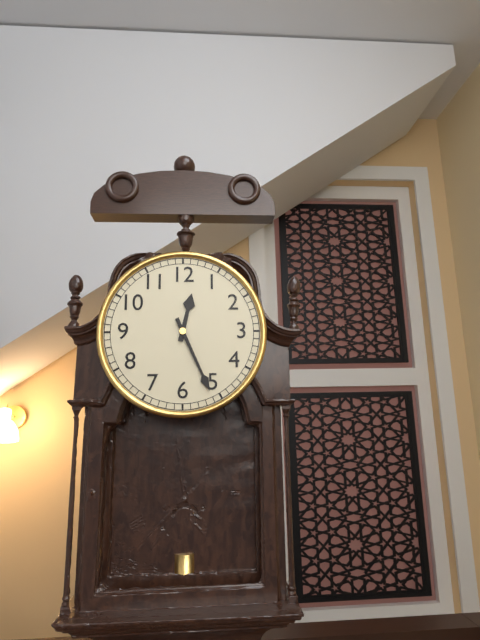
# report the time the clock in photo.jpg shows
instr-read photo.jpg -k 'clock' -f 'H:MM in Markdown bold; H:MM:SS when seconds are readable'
**12:26**
